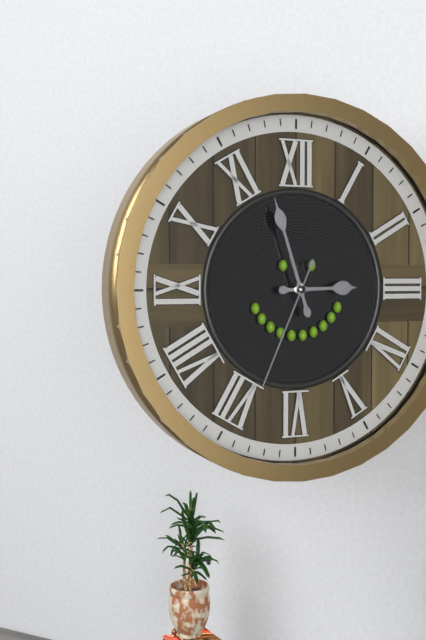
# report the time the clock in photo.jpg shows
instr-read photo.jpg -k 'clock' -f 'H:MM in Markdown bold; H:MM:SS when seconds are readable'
**2:57:34**
